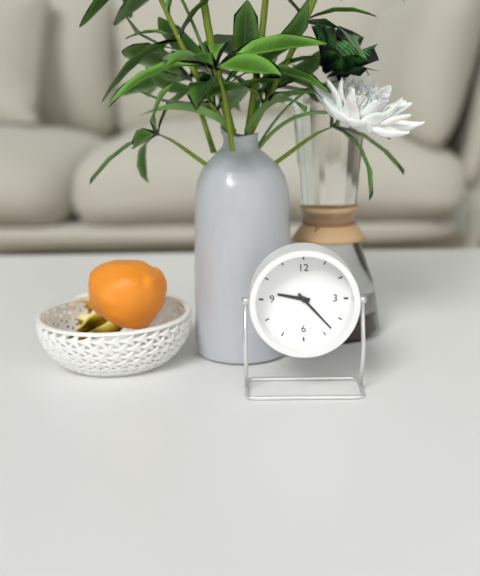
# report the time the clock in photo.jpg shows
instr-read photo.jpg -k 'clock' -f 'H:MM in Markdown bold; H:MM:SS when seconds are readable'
**9:23**
